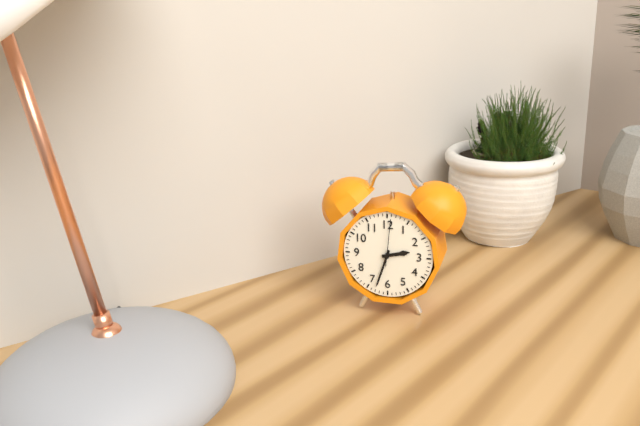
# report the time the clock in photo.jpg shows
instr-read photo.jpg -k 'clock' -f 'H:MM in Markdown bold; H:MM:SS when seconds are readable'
**2:33**
